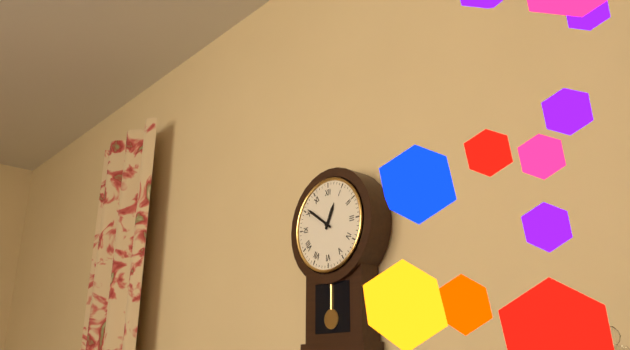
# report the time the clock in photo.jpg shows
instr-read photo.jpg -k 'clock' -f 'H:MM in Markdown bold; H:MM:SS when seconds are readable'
**12:51**
